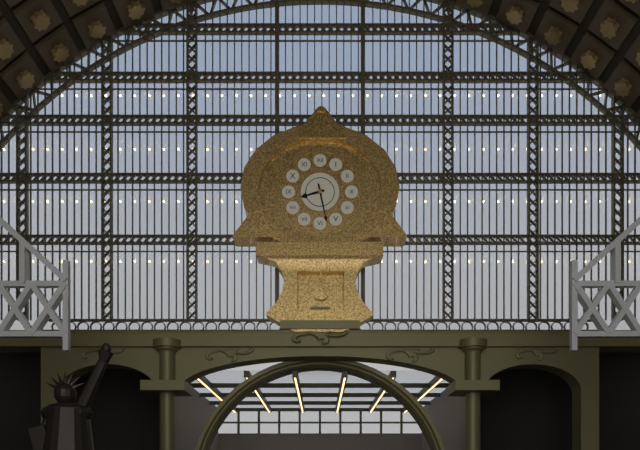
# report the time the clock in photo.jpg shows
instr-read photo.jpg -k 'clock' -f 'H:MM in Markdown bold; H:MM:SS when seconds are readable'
**8:28**
